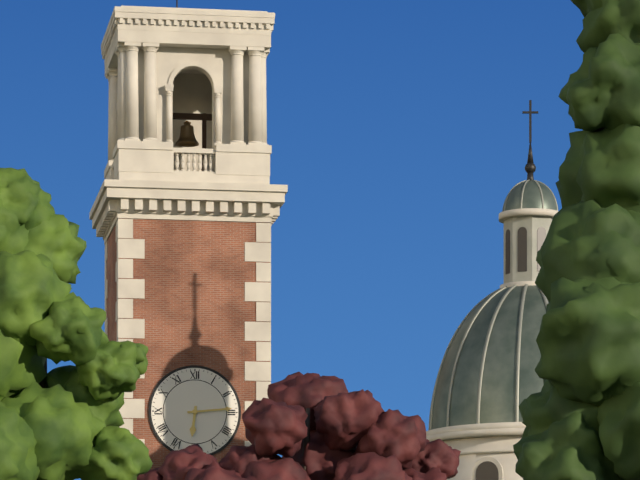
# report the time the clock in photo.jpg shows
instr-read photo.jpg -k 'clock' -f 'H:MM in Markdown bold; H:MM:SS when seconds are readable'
**6:14**
